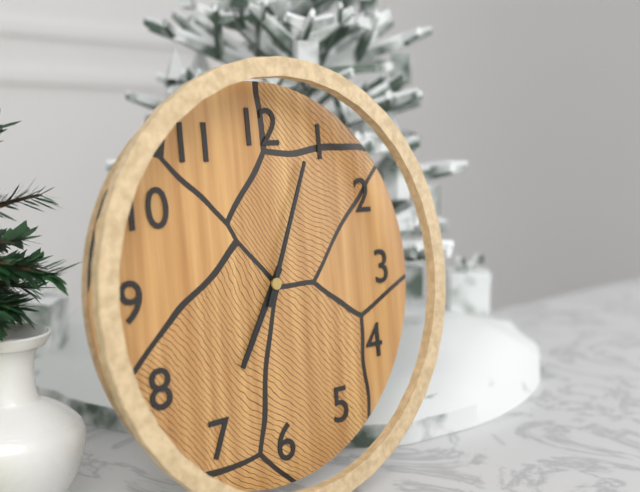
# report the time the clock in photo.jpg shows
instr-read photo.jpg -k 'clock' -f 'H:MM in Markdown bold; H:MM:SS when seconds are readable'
**7:04**
